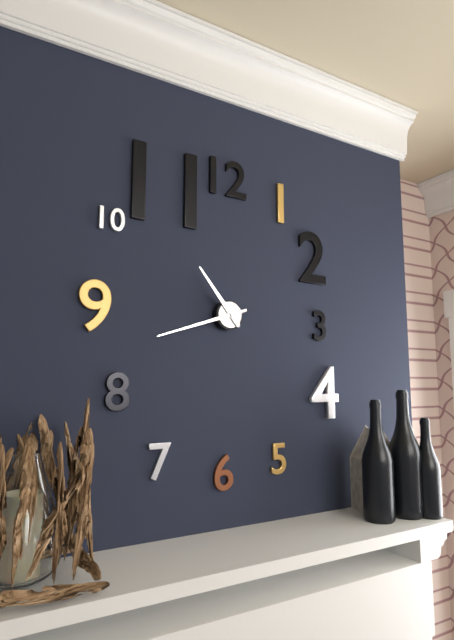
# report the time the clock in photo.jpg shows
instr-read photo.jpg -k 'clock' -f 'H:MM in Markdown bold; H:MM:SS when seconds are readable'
**10:42**
